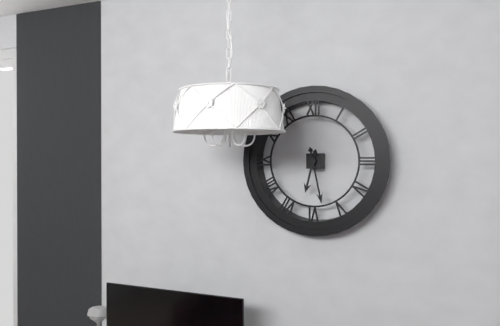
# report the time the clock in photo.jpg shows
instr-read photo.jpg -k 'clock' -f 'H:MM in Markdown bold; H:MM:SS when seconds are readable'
**6:28**
